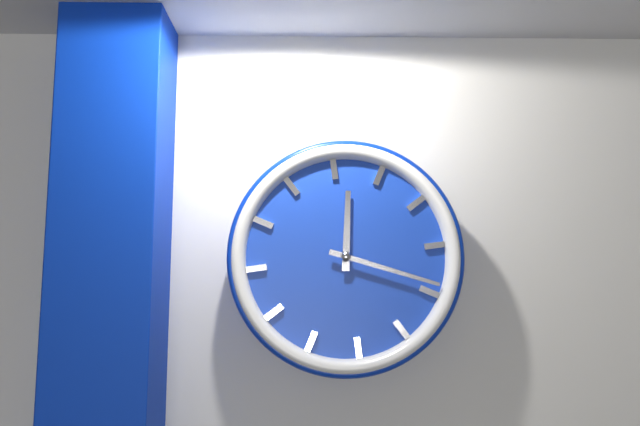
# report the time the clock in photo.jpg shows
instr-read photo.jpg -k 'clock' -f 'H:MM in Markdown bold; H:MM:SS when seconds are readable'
**12:19**
